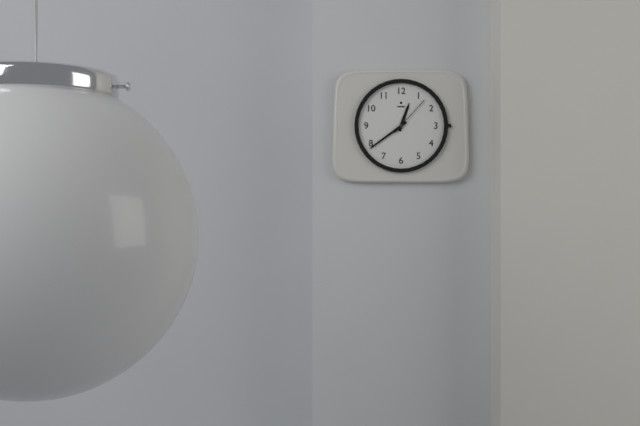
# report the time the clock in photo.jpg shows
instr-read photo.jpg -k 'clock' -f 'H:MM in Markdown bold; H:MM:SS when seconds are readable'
**12:39**
